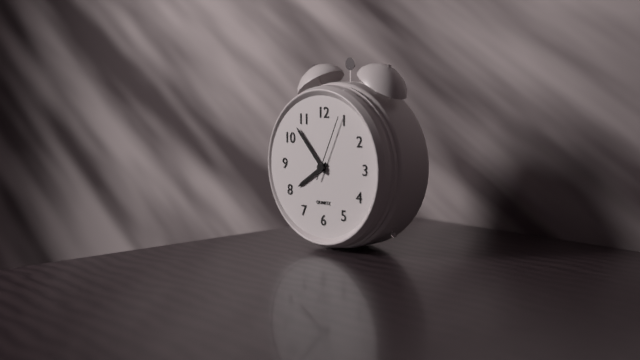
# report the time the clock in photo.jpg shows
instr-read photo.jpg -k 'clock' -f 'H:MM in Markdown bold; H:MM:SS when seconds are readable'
**7:53:04**
